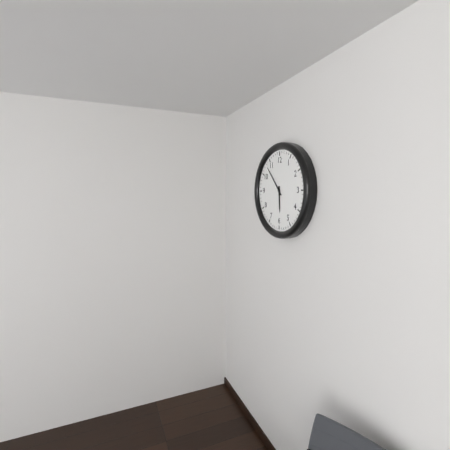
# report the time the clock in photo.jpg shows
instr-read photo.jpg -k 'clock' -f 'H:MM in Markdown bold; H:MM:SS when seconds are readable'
**5:53**
